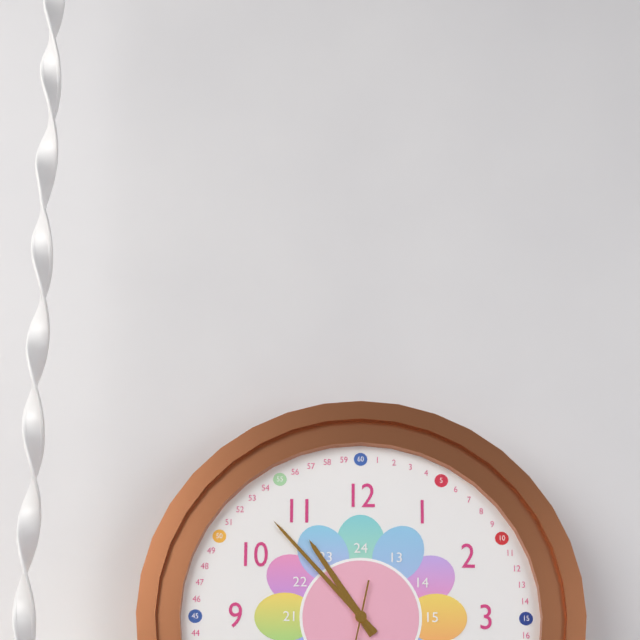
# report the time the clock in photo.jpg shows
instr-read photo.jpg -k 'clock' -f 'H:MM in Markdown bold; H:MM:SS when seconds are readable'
**10:53**
